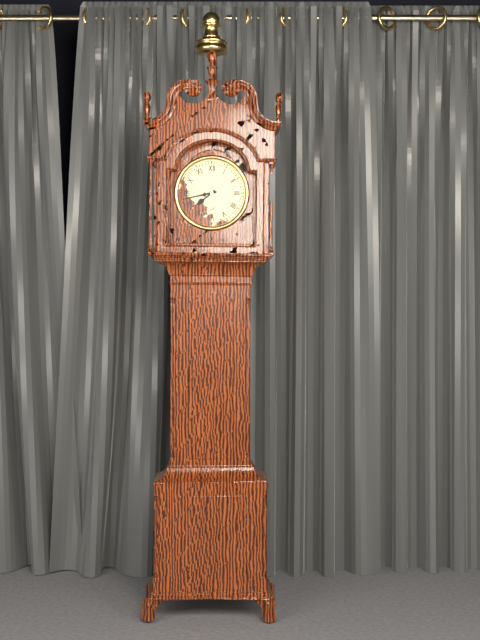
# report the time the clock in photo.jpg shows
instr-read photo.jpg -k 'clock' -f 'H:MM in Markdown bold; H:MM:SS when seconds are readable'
**7:43**
